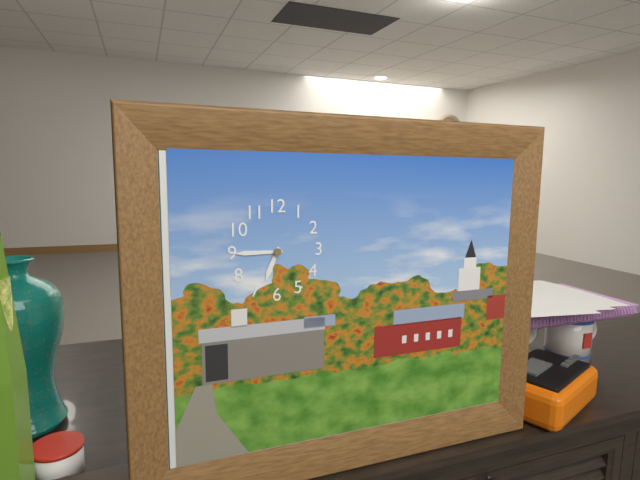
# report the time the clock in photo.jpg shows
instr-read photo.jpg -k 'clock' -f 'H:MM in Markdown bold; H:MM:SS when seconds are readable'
**6:45**
